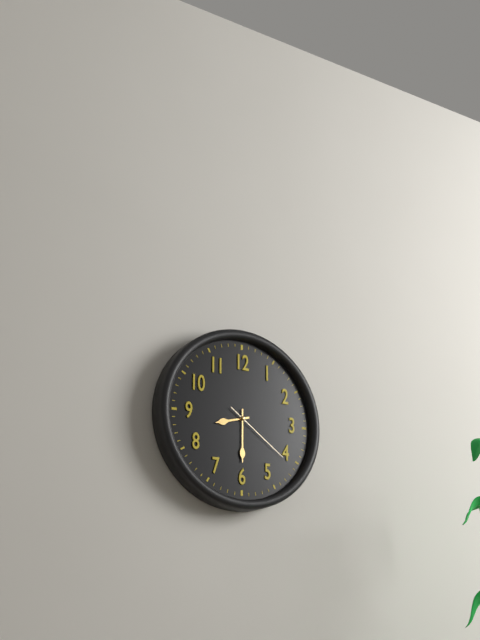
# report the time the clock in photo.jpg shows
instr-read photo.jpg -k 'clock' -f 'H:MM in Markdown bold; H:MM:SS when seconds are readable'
**8:30:21**
